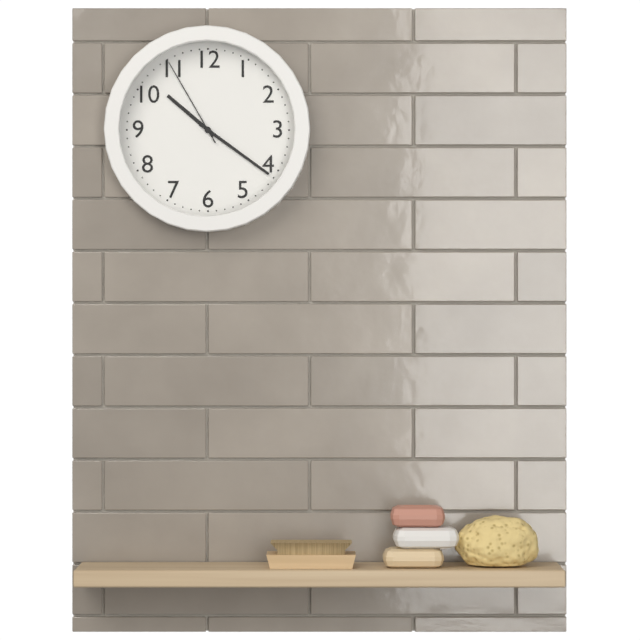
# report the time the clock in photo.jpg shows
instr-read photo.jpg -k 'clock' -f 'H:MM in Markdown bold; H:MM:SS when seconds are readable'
**10:21:55**
